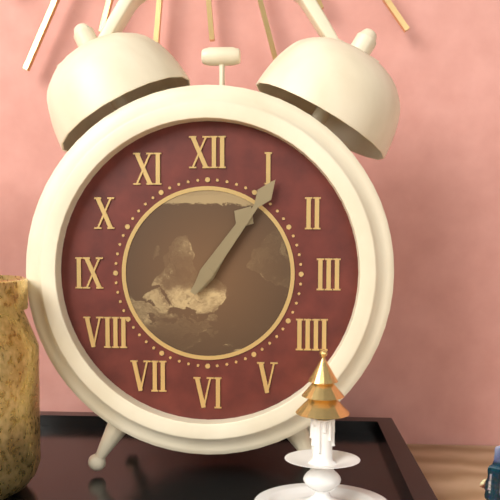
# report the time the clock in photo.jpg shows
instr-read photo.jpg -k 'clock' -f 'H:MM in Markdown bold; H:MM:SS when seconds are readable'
**1:06**
